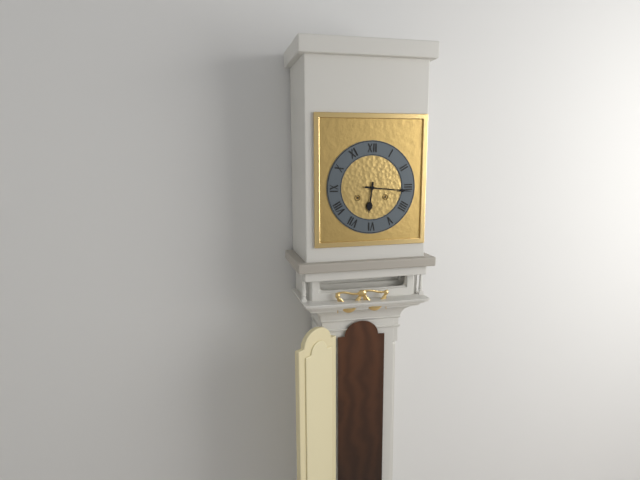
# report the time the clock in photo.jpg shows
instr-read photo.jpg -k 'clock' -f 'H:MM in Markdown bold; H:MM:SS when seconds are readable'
**6:16**
